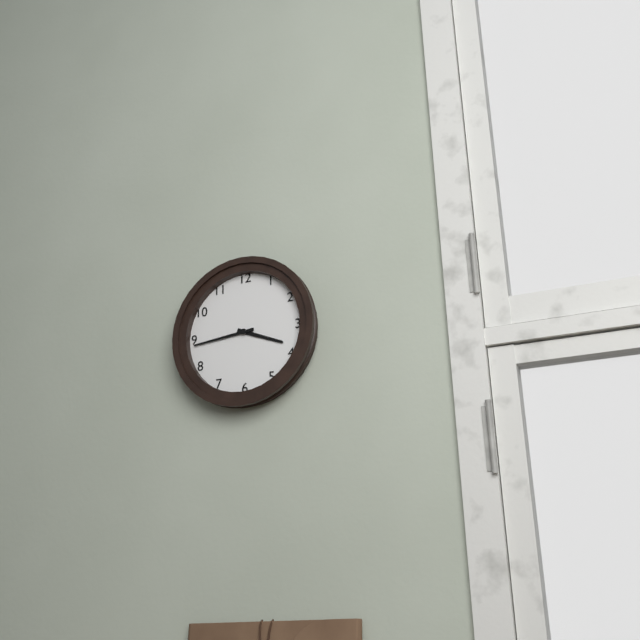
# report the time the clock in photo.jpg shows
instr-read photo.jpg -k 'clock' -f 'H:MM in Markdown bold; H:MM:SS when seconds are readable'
**3:44**
